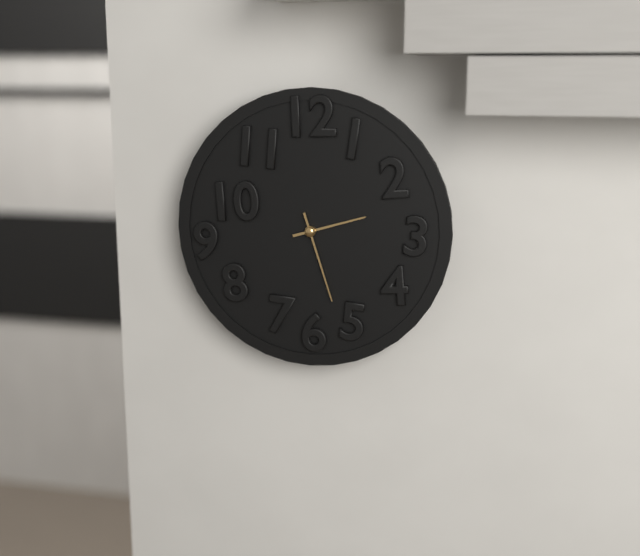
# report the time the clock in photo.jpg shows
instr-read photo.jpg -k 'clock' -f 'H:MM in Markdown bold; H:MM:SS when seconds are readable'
**2:27**
